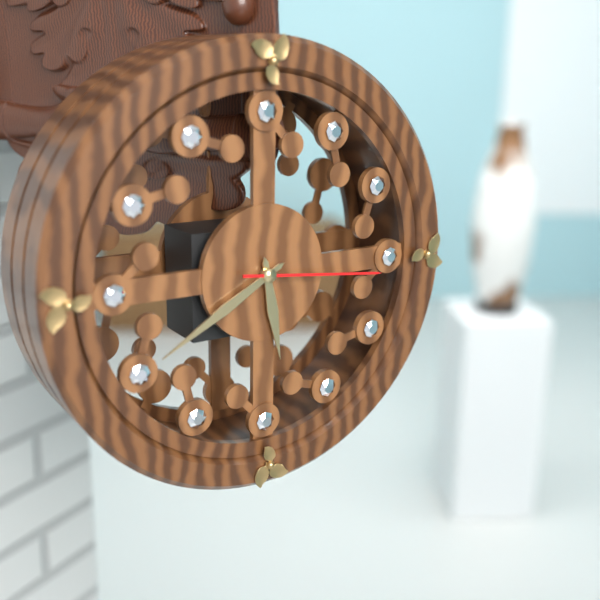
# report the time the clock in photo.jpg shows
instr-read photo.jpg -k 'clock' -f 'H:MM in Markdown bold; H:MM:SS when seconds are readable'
**5:40:16**
